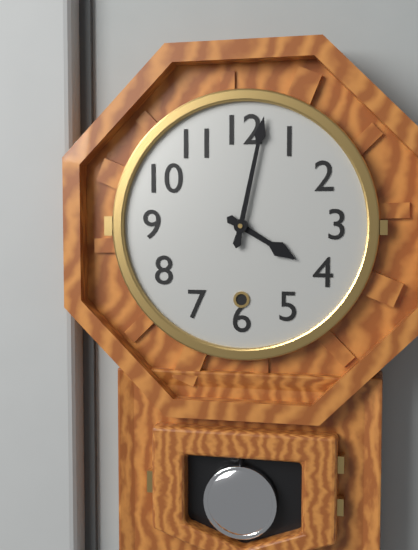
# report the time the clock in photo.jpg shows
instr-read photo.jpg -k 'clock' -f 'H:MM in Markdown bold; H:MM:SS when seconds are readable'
**4:02**
